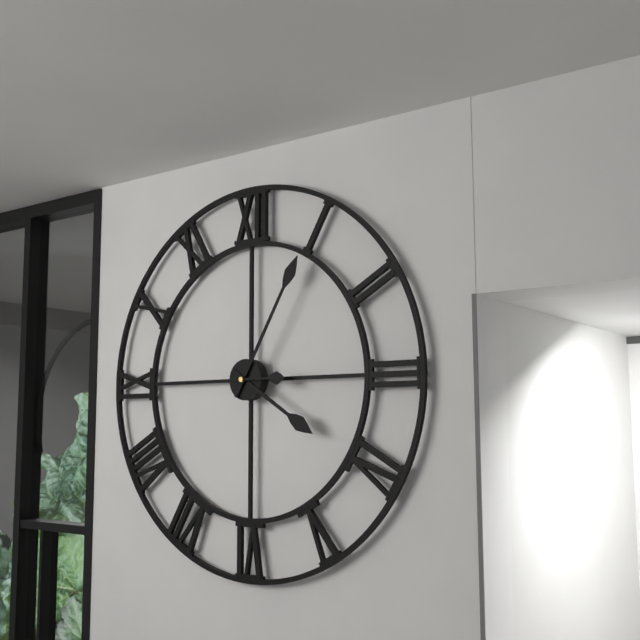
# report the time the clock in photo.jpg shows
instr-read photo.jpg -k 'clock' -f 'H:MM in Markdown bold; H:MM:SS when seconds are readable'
**4:05**
